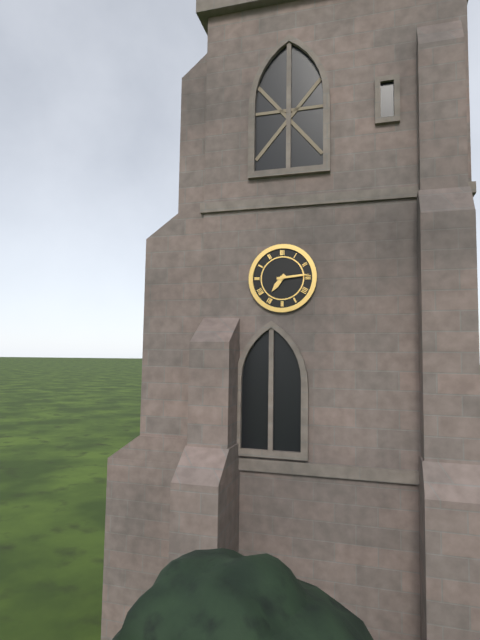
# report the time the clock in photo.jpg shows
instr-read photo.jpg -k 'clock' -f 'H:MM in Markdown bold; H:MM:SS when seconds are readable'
**7:14**
